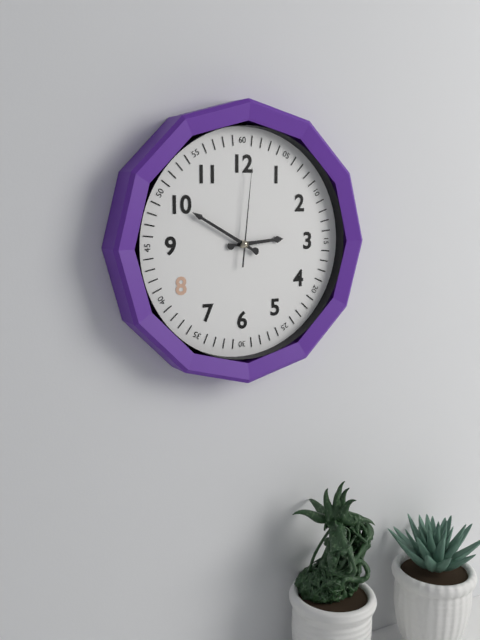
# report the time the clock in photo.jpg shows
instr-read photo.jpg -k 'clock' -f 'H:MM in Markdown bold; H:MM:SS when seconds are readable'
**2:50:01**
